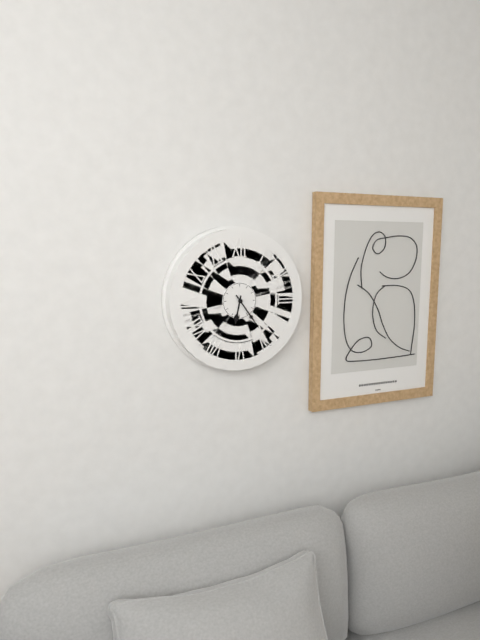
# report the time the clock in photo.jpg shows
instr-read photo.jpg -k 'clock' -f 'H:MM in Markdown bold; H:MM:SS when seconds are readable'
**6:24**
